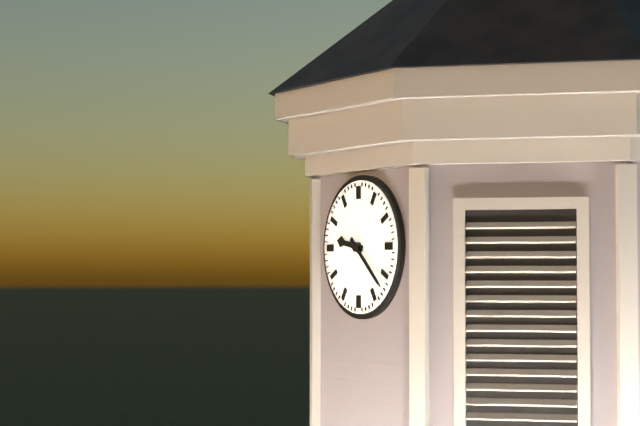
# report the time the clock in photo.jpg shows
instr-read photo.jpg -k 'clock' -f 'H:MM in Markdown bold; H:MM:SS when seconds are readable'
**9:22**
